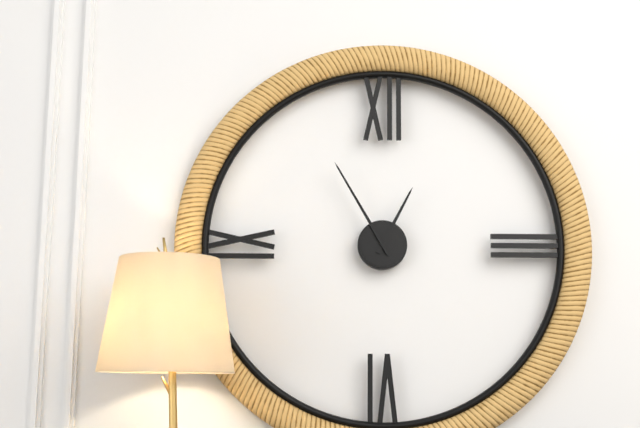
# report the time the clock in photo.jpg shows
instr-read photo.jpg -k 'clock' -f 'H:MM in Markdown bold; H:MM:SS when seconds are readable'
**12:55**
